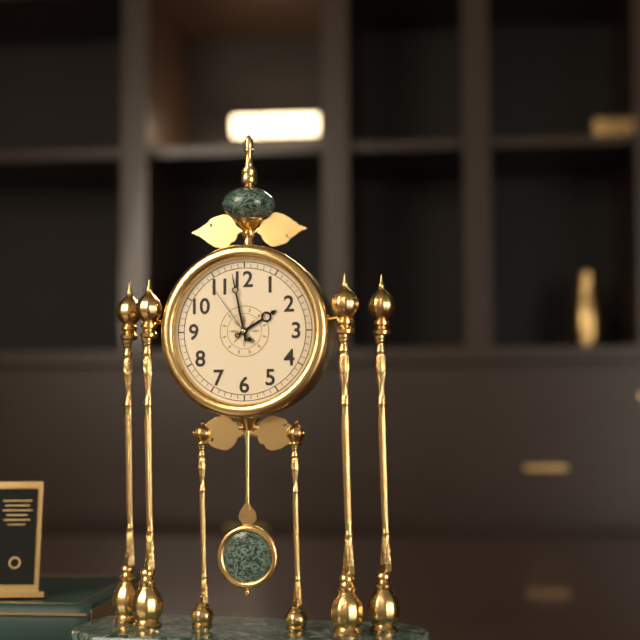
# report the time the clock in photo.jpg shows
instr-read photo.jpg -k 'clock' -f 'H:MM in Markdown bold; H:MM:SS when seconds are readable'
**1:58:54**
